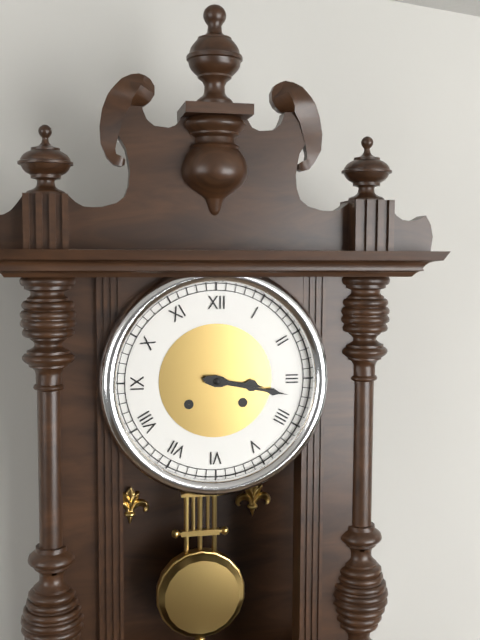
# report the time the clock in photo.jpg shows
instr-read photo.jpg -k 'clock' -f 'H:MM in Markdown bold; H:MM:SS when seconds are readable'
**3:17**
